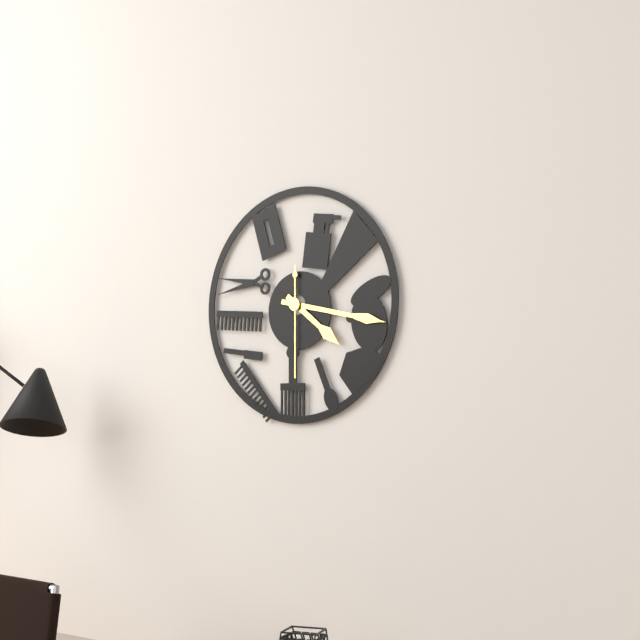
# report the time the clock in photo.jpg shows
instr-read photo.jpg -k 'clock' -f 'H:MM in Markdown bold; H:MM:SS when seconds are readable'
**4:17:30**
